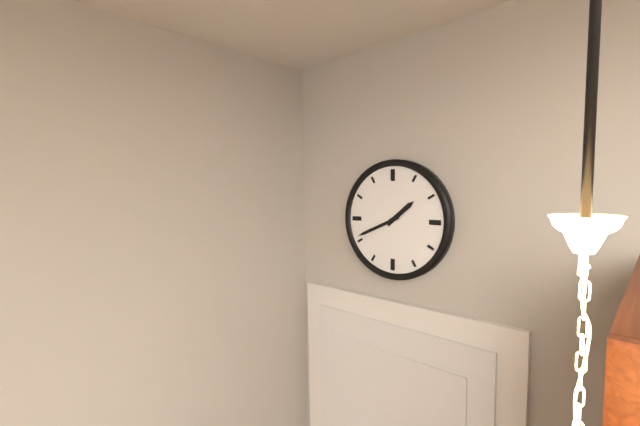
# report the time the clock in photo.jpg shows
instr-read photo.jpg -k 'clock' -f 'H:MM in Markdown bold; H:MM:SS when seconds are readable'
**1:41**
